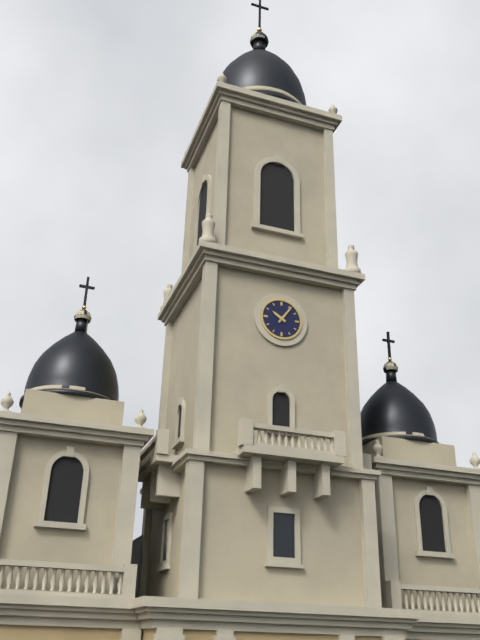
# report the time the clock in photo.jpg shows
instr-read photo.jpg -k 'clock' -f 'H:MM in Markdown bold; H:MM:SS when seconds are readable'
**10:06**
